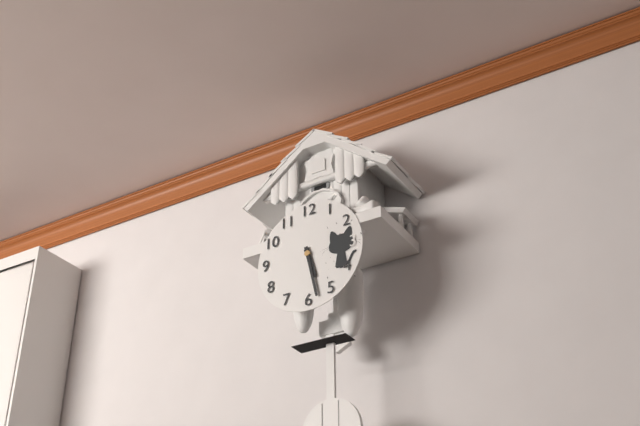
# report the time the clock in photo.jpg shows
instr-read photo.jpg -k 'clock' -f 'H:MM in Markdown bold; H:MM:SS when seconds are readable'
**5:28**
